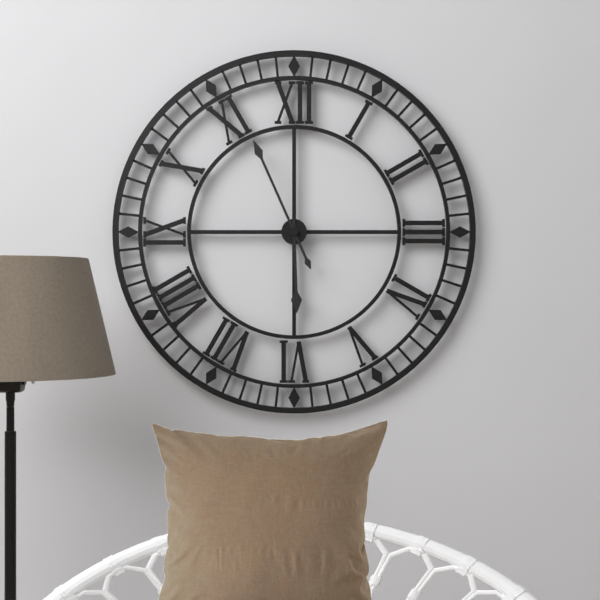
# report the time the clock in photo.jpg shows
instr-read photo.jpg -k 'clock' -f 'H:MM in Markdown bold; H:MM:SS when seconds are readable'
**5:56**
